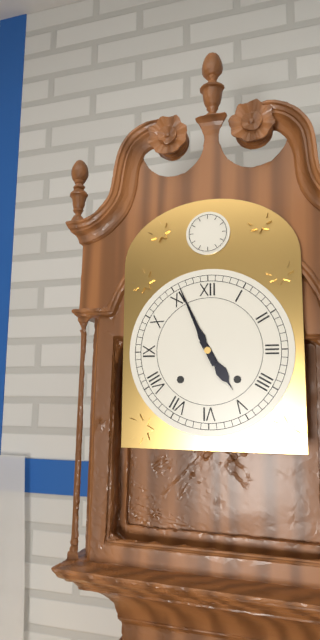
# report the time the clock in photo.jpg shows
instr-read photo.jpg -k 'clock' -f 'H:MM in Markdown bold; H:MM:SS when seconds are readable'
**4:56**
